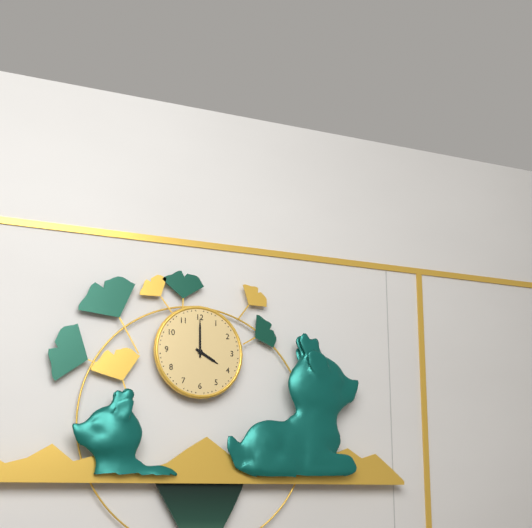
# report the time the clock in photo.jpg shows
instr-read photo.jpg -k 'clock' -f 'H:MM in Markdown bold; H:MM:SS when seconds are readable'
**4:00**
